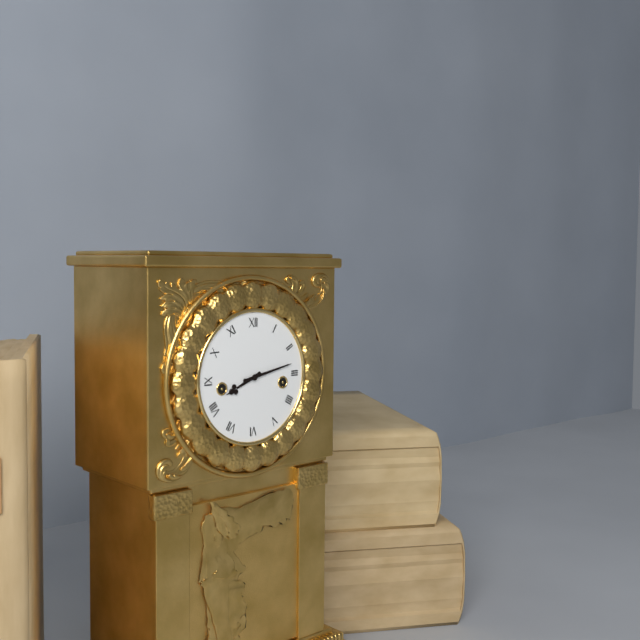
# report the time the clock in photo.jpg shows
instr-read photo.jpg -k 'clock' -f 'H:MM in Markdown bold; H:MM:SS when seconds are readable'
**8:13**
